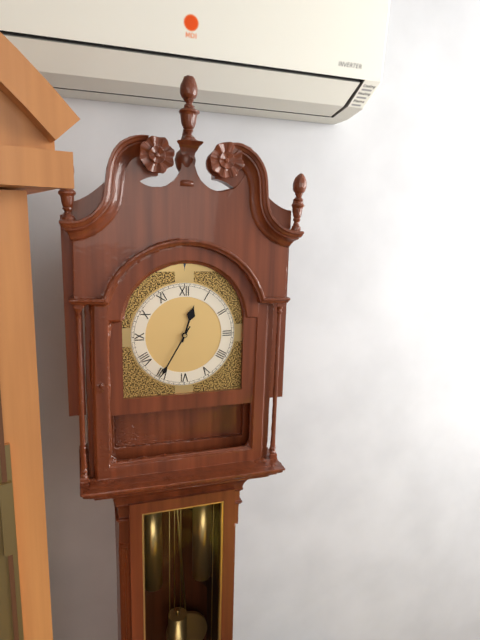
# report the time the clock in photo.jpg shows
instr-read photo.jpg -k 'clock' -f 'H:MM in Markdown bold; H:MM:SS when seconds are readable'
**12:35**
